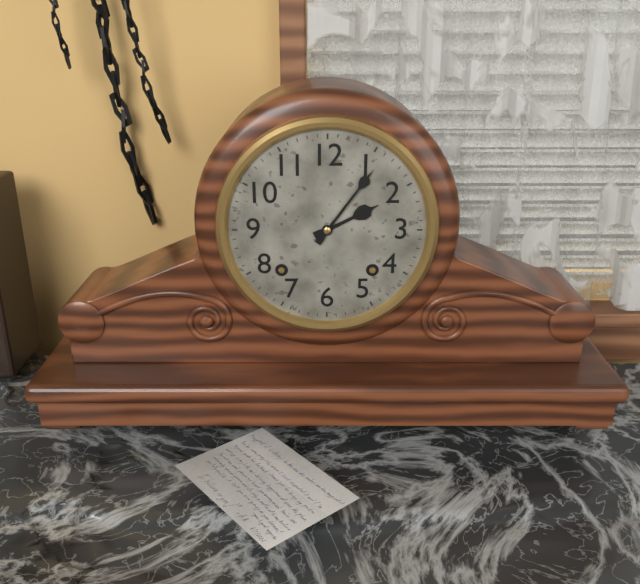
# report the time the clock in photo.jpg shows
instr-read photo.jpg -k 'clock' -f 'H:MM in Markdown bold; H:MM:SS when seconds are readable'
**2:06**
